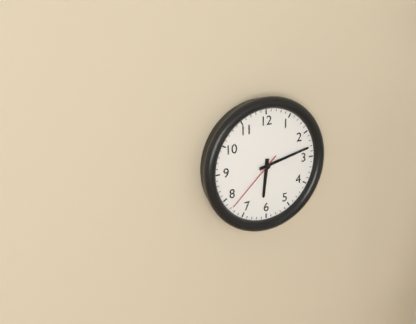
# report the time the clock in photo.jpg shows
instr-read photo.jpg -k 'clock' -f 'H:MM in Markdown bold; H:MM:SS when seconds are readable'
**6:13:38**
